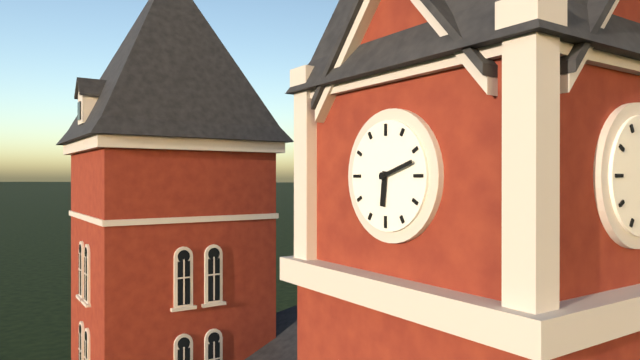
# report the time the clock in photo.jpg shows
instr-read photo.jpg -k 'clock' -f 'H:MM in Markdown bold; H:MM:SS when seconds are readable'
**6:12**
